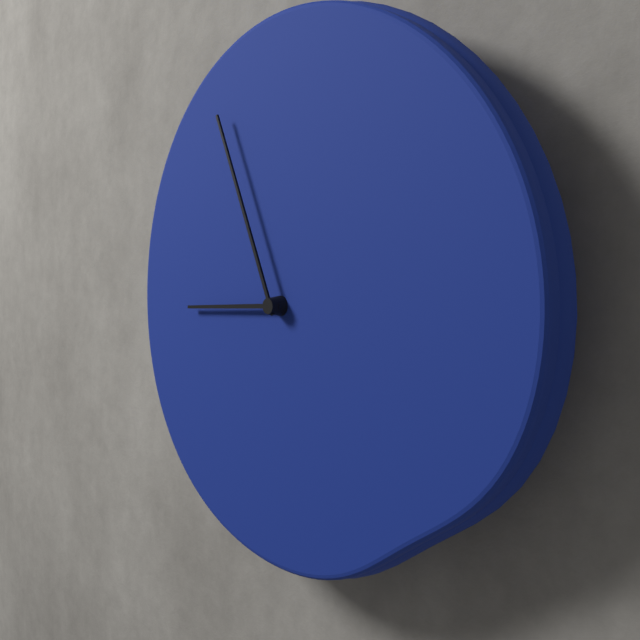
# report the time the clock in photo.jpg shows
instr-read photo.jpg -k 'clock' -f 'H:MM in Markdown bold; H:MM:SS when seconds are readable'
**8:56**
